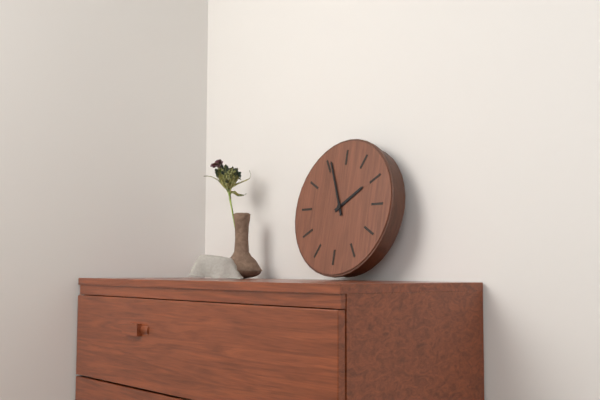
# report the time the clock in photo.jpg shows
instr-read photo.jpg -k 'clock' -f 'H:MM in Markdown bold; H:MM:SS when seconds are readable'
**1:56**
